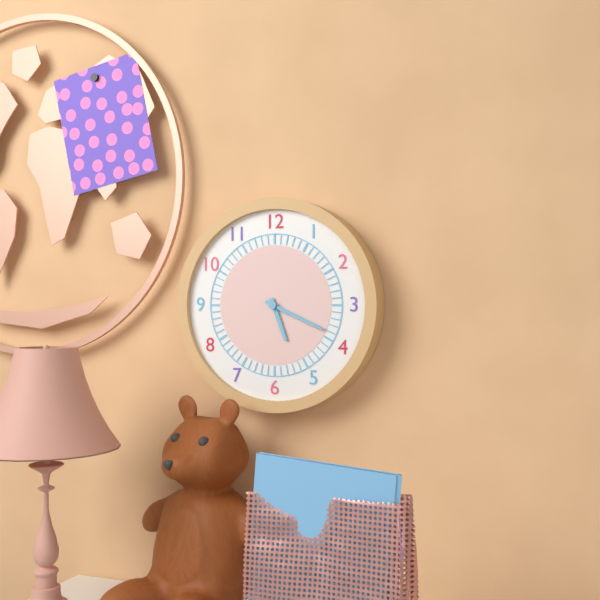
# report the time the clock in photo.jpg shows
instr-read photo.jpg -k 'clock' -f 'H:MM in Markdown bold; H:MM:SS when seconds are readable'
**5:19**
